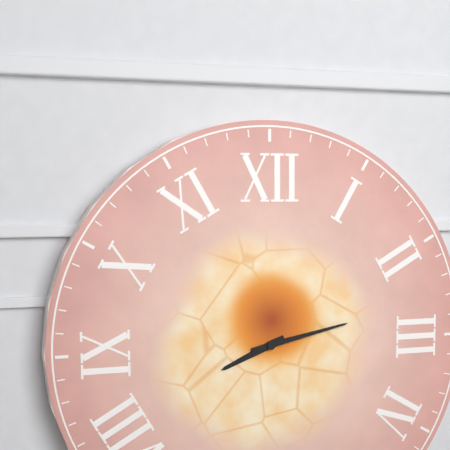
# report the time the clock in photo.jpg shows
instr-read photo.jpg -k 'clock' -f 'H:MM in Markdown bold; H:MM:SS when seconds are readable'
**8:13**
